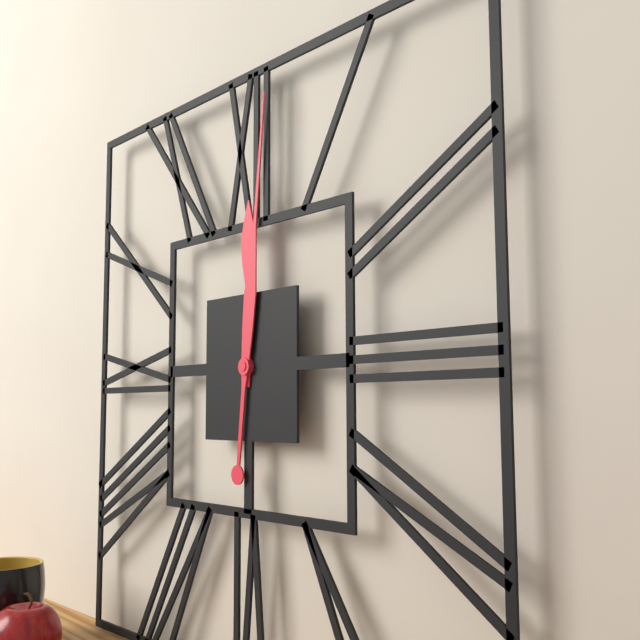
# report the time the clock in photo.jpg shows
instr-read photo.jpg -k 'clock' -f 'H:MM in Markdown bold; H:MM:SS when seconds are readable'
**12:01**
